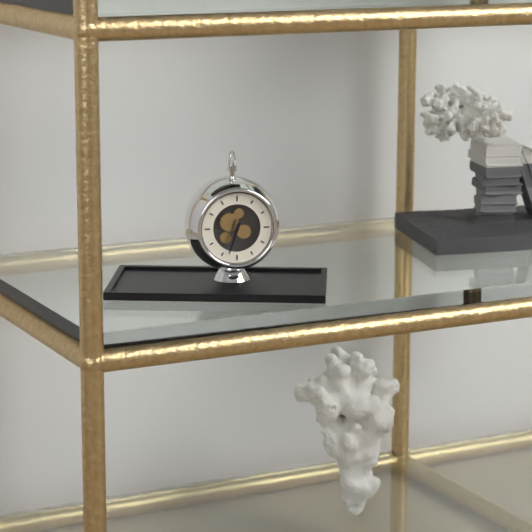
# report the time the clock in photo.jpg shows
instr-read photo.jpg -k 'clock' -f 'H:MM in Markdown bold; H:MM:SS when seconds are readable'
**6:33**
